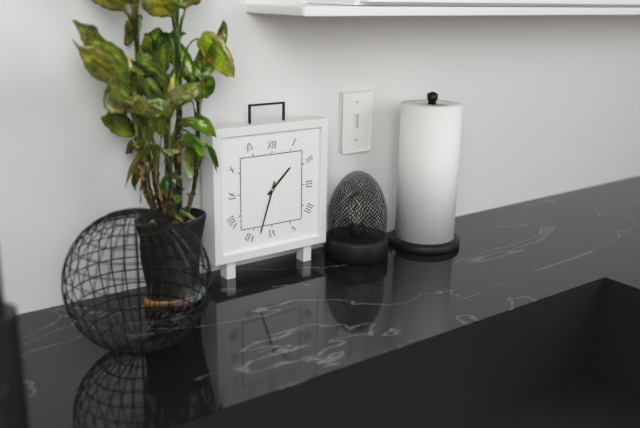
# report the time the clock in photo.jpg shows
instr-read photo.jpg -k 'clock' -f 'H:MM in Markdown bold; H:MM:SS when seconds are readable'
**1:33**
